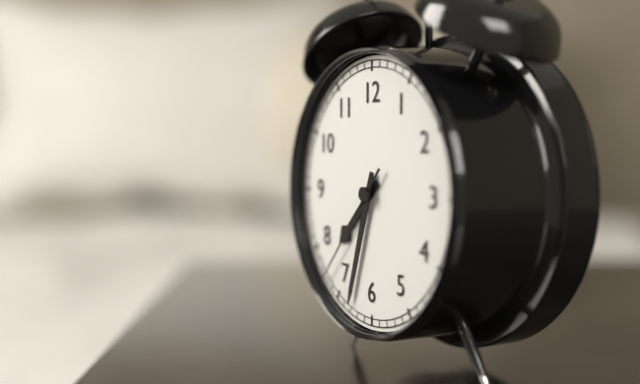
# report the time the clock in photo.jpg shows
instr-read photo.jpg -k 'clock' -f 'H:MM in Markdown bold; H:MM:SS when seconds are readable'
**7:33:37**
